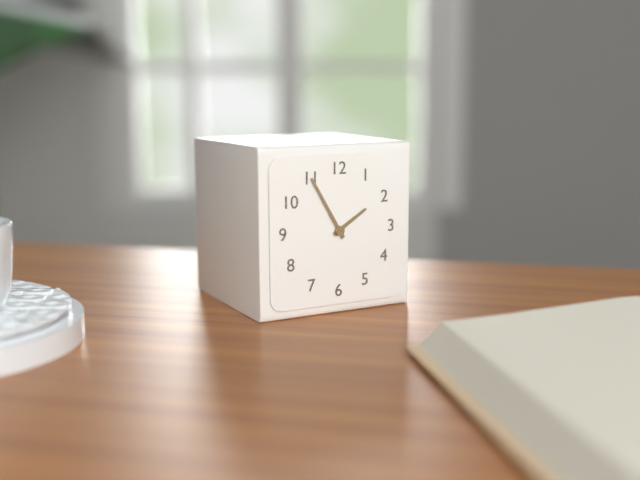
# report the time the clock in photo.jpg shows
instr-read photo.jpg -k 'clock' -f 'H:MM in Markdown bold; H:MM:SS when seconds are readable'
**1:55**
